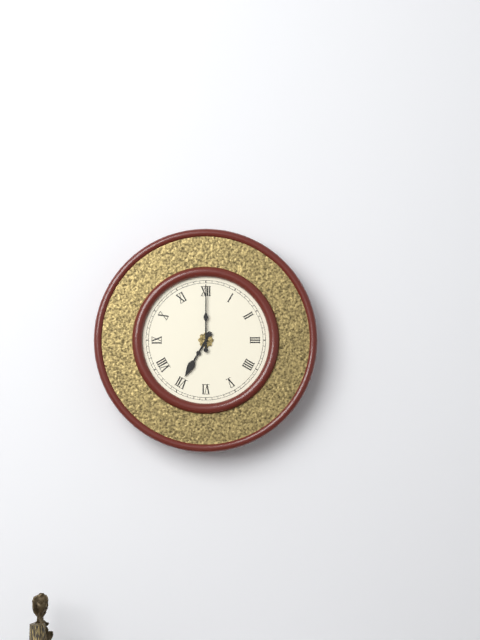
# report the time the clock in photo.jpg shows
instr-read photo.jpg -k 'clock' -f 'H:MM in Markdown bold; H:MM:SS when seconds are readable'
**7:00**
